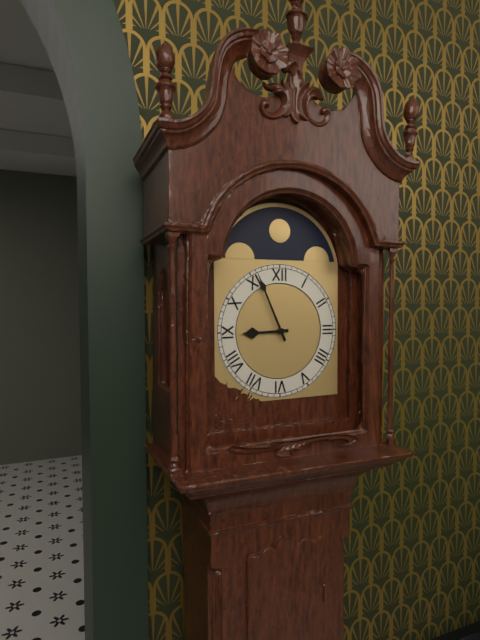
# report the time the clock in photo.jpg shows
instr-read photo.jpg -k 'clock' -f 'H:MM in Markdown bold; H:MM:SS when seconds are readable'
**8:56**
